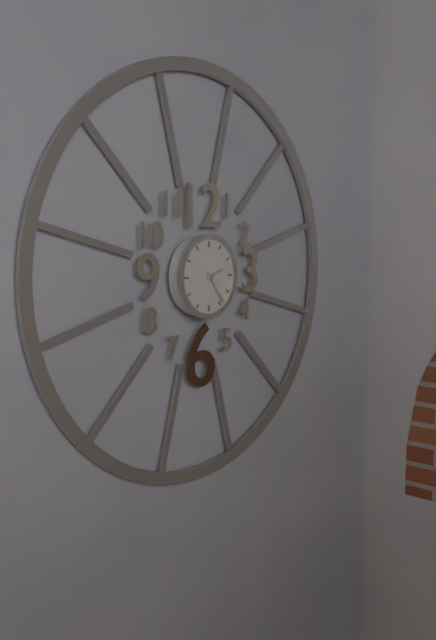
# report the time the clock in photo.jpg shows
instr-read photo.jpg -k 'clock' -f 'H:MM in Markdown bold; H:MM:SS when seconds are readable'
**2:24**
